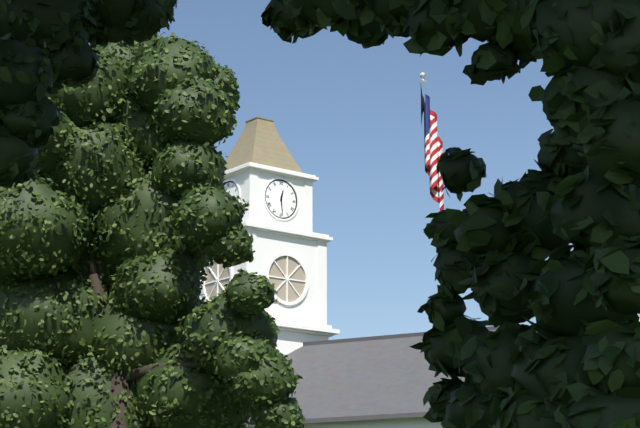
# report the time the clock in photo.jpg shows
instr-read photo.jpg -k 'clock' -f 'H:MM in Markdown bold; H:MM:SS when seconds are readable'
**12:29**
